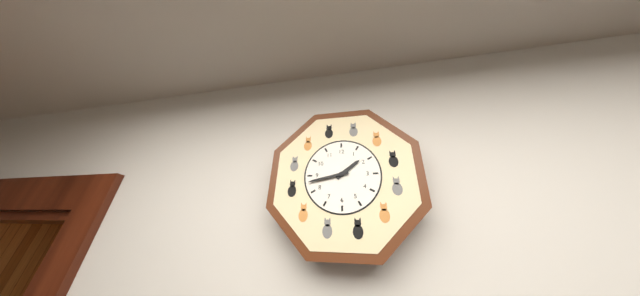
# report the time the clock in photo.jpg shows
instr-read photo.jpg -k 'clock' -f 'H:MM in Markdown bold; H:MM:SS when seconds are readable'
**1:43**
